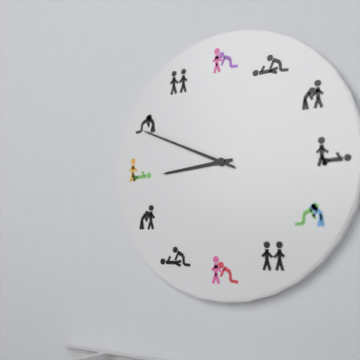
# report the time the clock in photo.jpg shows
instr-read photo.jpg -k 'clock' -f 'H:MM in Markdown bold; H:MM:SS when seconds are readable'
**8:49**
